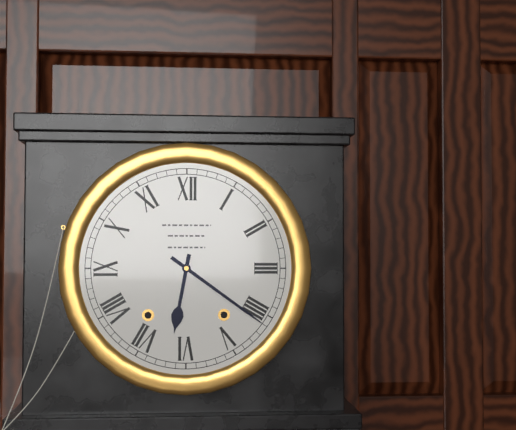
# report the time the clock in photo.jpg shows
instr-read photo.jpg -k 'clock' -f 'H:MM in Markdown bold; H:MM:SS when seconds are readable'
**6:21**
